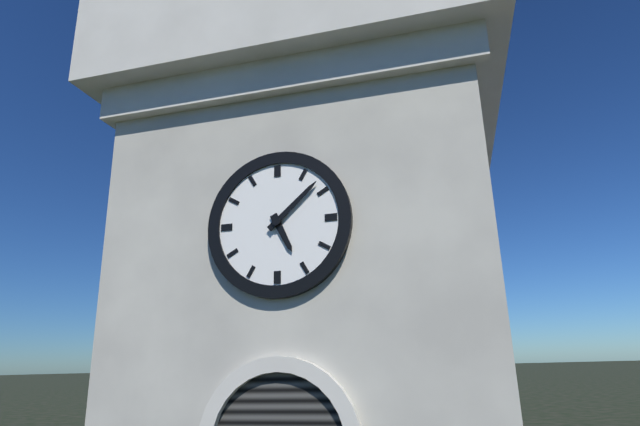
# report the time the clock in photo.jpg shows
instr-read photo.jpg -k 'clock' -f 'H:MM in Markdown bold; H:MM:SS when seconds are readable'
**5:08**
